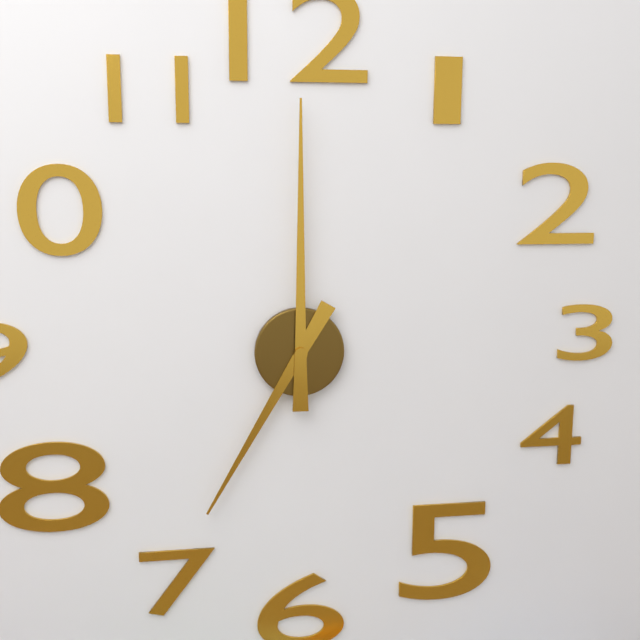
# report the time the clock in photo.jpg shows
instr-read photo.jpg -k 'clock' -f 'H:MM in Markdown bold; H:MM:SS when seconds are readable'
**7:00**
